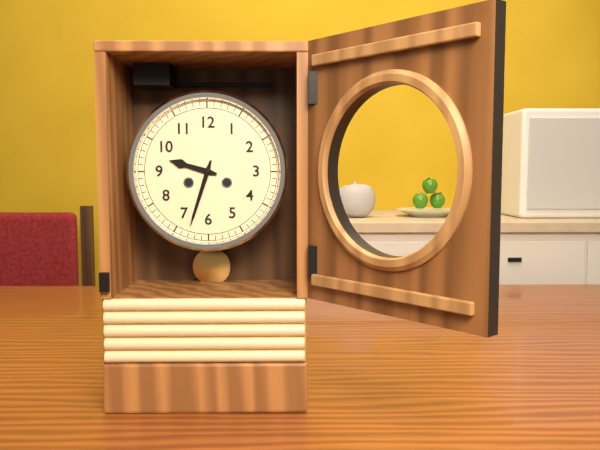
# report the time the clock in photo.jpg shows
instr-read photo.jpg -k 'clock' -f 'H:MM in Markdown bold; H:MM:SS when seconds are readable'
**9:33**
